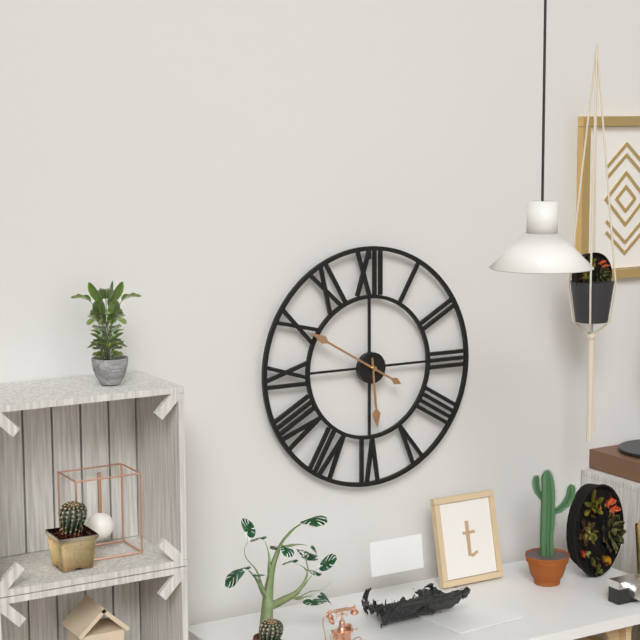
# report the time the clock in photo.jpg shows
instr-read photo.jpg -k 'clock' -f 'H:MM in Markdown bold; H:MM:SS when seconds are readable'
**5:50**
